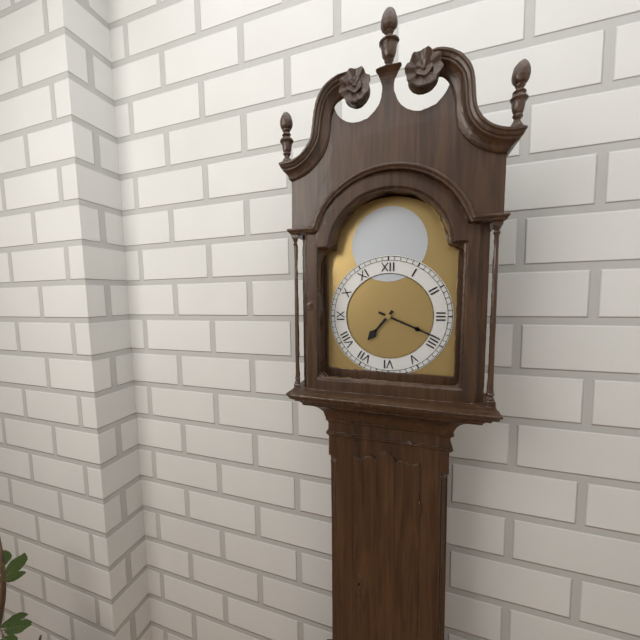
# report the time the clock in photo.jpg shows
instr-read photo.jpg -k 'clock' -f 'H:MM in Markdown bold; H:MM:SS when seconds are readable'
**7:19**
